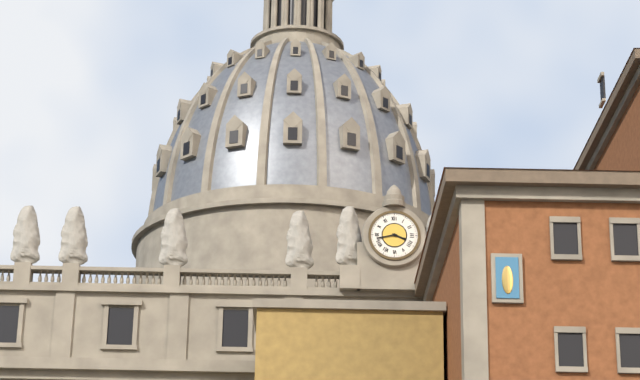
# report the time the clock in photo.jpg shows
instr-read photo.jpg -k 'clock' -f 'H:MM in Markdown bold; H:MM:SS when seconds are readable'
**3:43**
